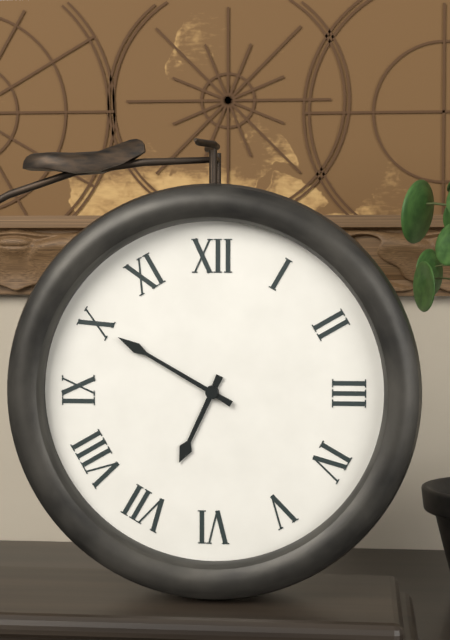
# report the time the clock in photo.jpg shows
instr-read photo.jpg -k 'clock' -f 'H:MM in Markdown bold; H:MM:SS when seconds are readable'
**6:50**
